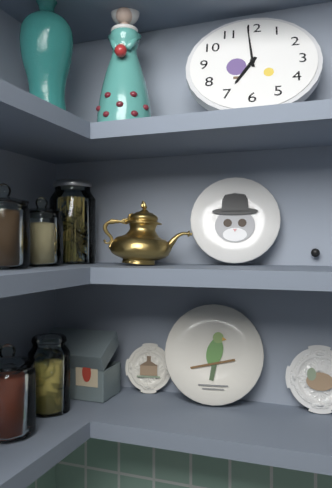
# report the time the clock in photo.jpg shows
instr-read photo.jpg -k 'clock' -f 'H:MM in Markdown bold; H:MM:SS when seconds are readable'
**6:59**
